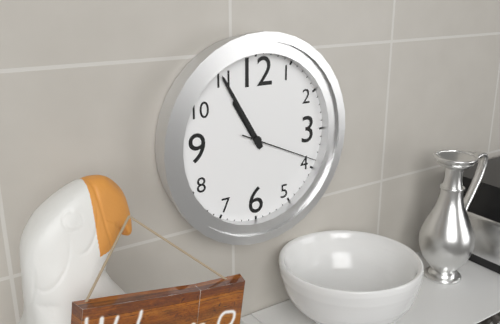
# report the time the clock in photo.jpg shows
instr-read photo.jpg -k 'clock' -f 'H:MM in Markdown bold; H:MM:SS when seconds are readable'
**10:55:19**
